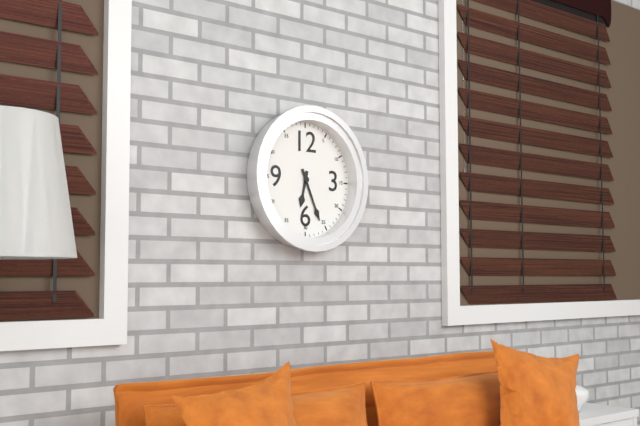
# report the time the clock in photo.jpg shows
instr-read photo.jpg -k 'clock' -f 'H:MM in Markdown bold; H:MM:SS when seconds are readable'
**6:26**
